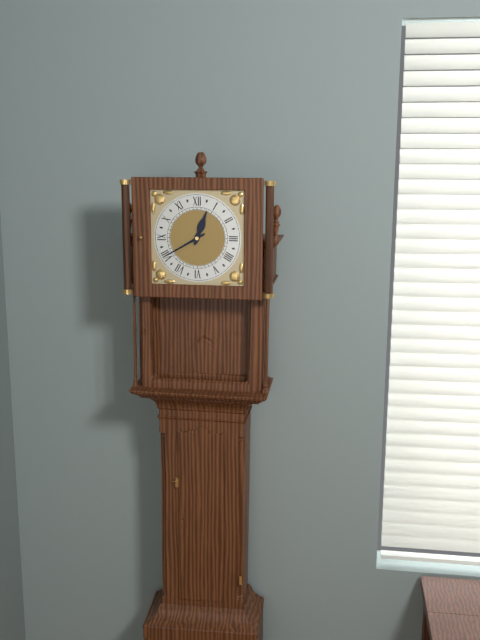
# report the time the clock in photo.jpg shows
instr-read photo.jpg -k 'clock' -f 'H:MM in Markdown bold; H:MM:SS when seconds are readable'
**12:40**
